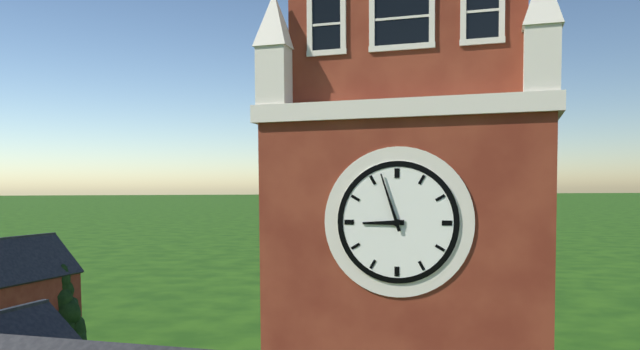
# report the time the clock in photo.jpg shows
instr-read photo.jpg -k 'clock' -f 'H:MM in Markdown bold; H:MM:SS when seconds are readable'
**8:57**
